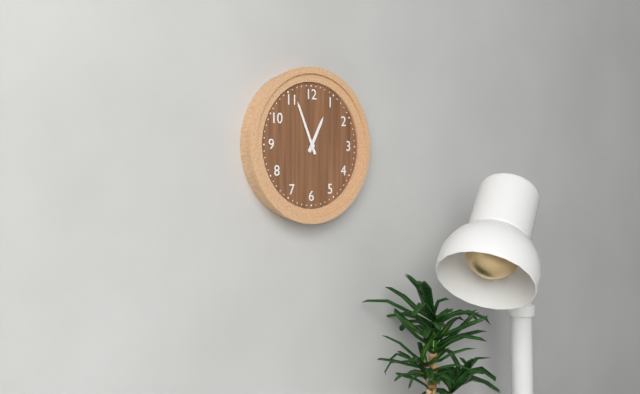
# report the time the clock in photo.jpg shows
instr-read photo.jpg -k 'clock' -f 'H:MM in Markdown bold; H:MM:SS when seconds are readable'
**12:56**
